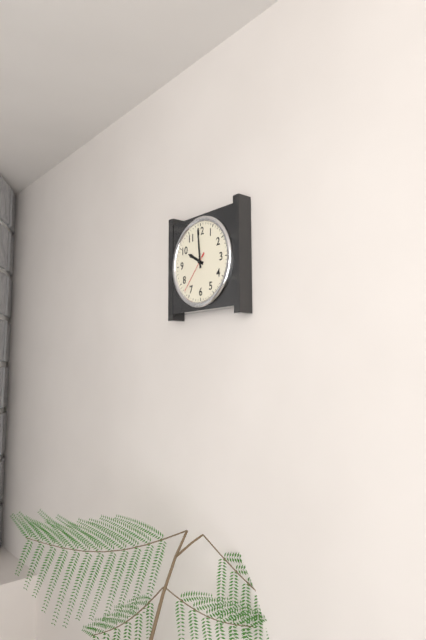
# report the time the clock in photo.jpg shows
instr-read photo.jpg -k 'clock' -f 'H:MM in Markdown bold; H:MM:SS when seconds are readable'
**9:59**
